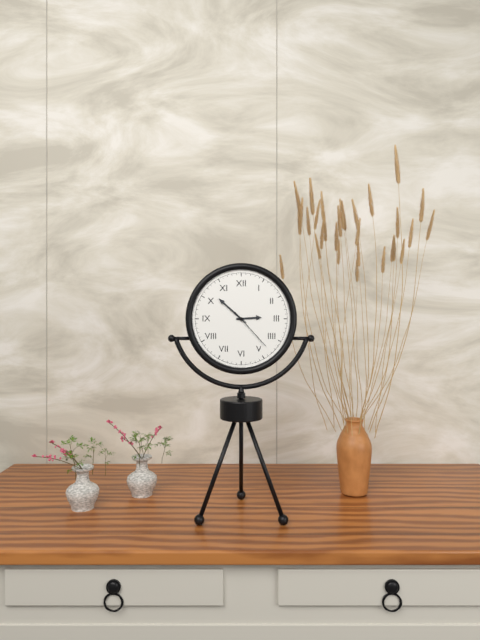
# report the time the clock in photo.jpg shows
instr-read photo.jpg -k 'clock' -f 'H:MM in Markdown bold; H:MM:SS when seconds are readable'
**2:52**
